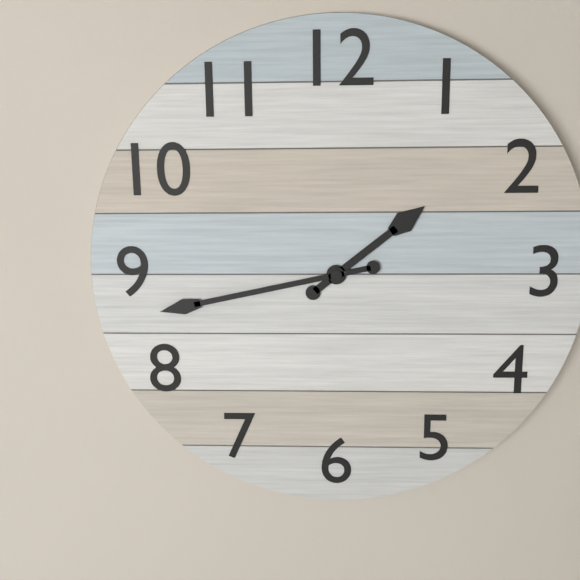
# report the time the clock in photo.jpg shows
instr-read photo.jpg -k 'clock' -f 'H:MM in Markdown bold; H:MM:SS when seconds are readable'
**1:43**
